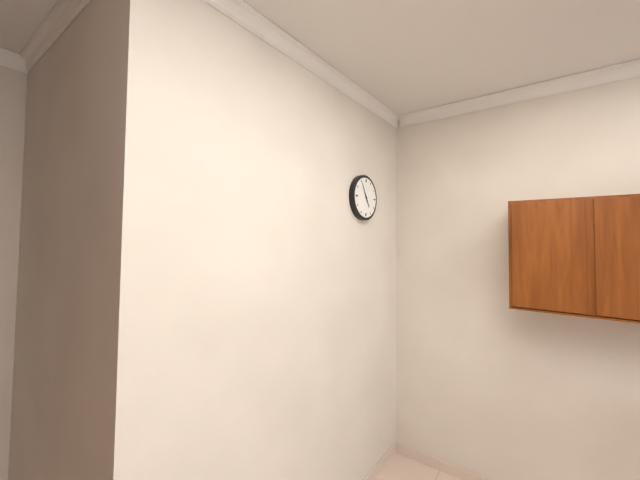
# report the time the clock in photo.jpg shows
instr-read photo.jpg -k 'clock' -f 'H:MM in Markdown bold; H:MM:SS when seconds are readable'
**4:55**
